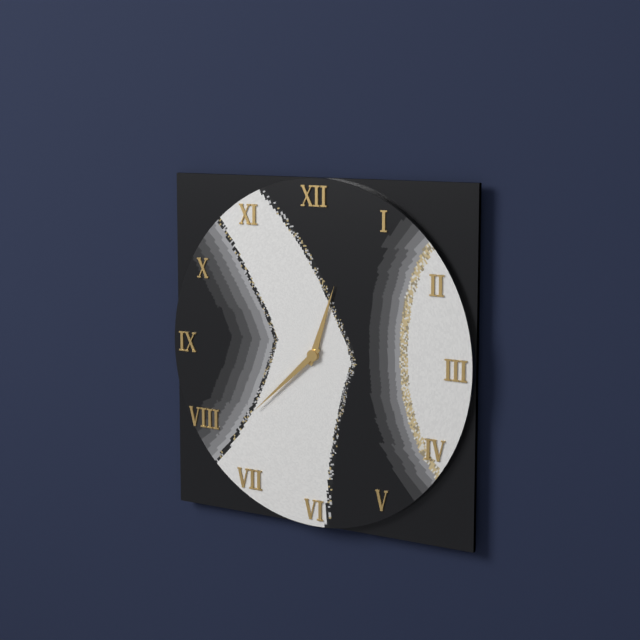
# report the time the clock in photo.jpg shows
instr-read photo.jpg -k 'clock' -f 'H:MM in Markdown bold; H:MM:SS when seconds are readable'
**12:38**
